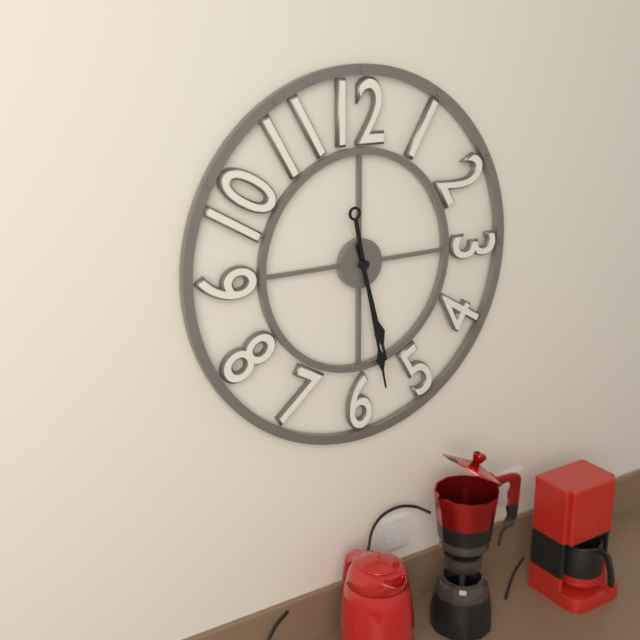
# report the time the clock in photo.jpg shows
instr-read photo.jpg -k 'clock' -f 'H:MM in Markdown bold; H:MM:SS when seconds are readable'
**5:28**
